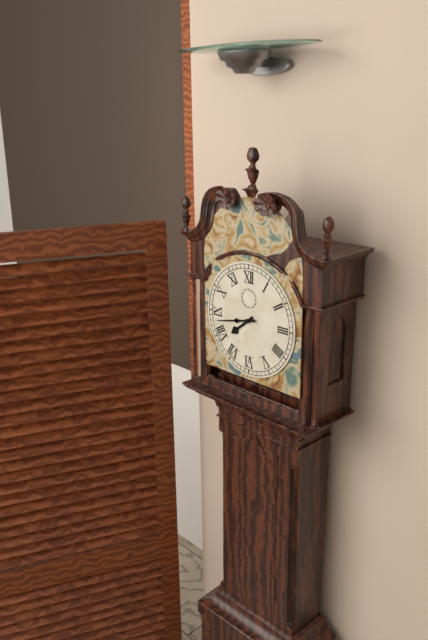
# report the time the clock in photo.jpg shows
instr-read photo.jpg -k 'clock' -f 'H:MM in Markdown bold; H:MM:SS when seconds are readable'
**7:43**
